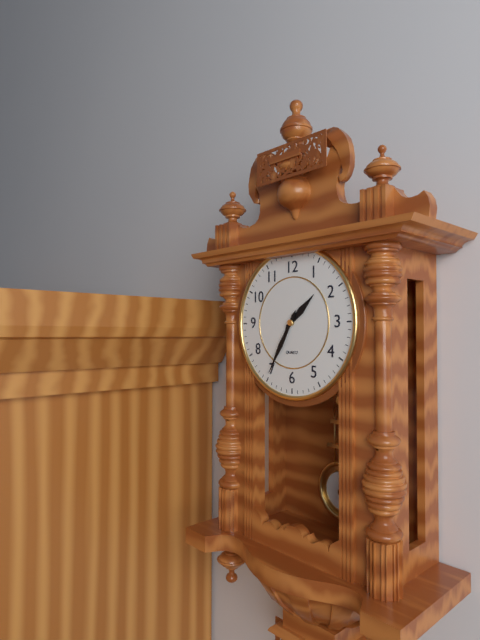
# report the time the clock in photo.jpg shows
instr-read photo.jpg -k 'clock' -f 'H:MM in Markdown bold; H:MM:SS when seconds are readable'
**1:35**
